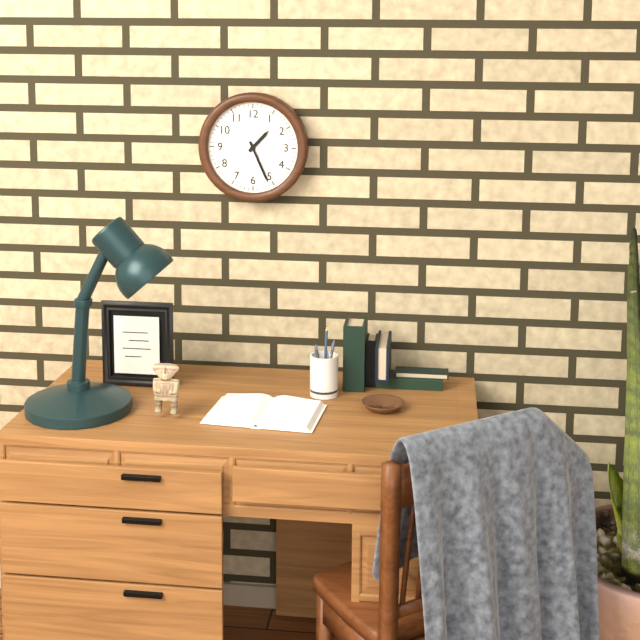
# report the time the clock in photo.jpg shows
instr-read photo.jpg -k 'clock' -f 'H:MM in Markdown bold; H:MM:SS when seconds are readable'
**1:26**
